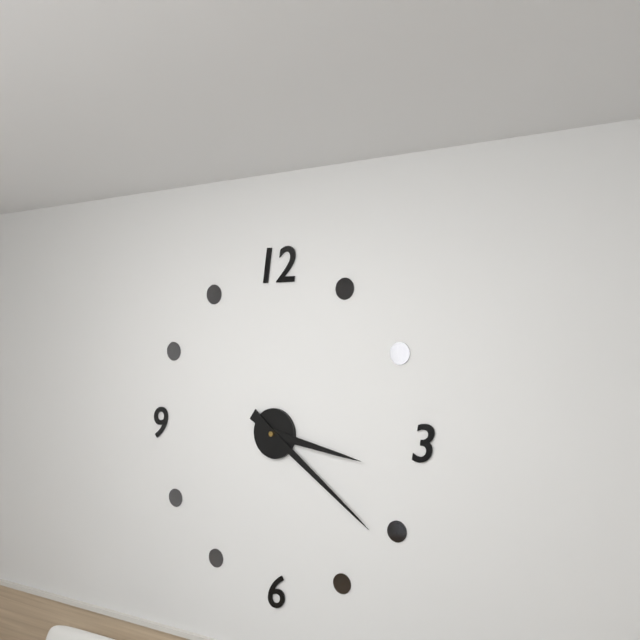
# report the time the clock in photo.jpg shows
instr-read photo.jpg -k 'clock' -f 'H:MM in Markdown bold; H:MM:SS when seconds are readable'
**3:21**
